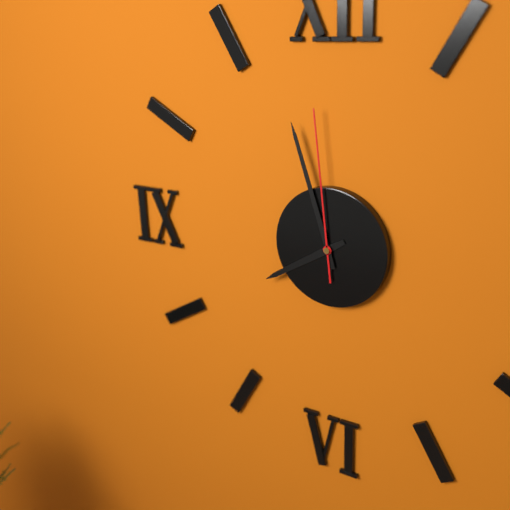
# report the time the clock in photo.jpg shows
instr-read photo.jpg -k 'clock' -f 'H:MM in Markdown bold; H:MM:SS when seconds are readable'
**7:57:59**
